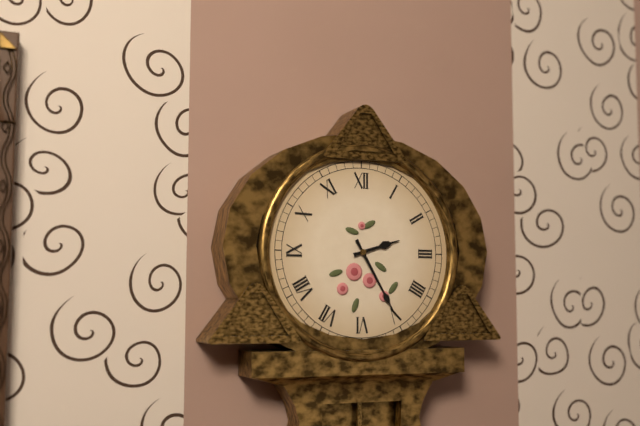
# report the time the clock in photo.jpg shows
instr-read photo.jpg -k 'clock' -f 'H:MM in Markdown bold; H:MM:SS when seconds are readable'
**2:25**
